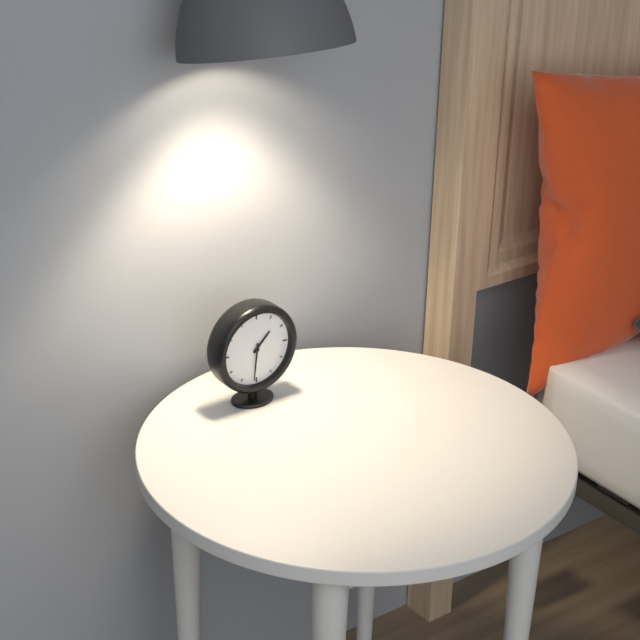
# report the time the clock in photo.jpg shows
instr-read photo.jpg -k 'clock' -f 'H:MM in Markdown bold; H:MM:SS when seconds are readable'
**1:31**
